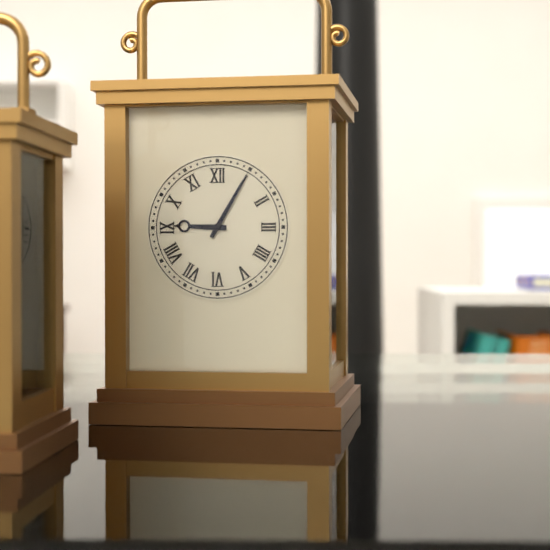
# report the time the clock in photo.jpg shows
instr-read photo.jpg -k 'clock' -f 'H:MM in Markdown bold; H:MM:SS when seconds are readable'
**9:05**
